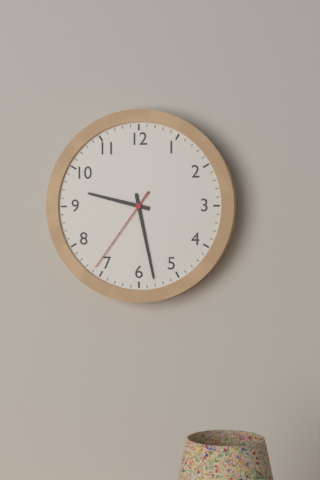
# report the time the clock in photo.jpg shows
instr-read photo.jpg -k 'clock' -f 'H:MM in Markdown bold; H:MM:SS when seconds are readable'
**9:28:36**
